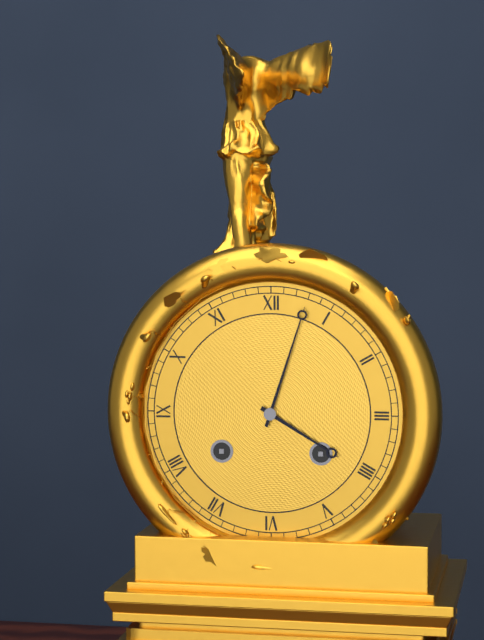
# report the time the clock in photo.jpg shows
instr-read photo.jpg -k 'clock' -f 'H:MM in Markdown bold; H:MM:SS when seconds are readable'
**4:03**
